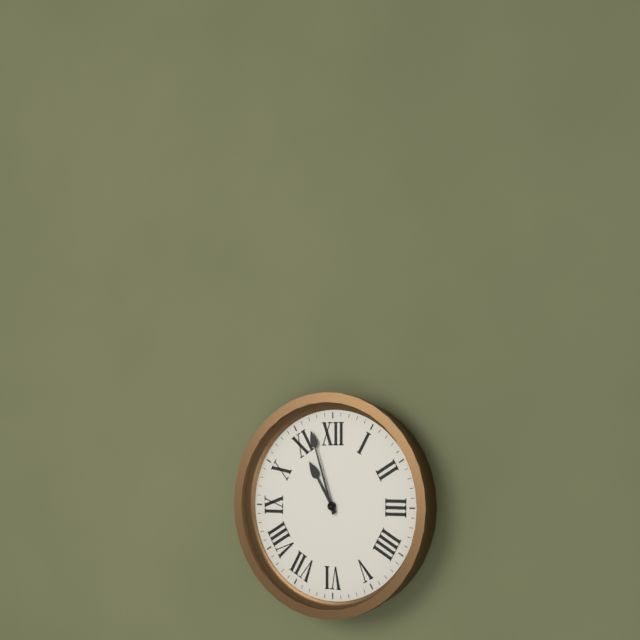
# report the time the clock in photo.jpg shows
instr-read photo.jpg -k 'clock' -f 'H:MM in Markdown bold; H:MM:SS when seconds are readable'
**10:57**
